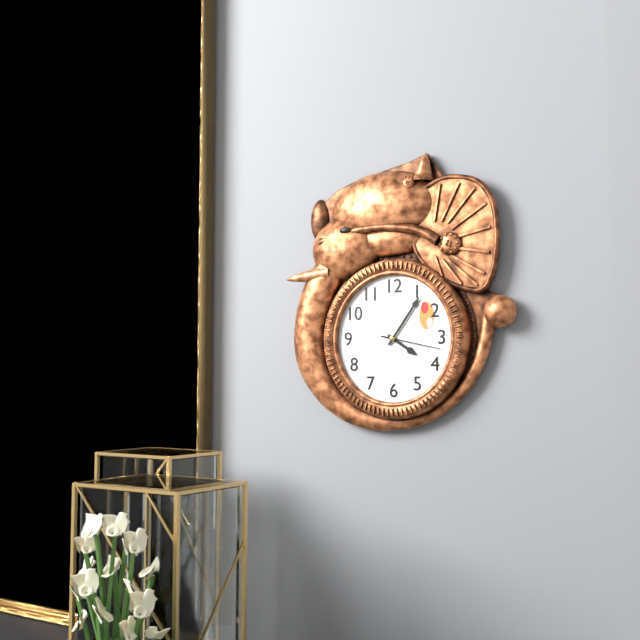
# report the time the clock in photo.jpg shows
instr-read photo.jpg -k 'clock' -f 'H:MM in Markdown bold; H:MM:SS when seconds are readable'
**4:06:17**
